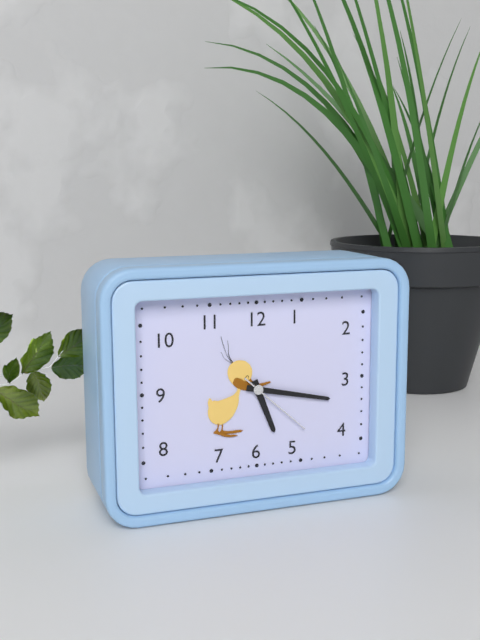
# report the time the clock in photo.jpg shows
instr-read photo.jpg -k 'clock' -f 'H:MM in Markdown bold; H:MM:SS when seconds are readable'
**5:17:22**
